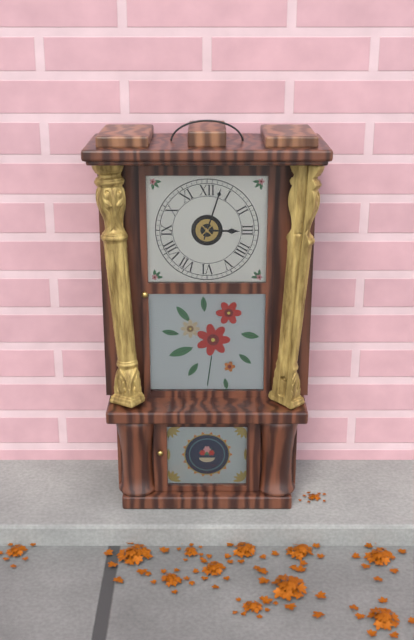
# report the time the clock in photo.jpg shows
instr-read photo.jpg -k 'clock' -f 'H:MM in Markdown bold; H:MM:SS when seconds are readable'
**3:03**
